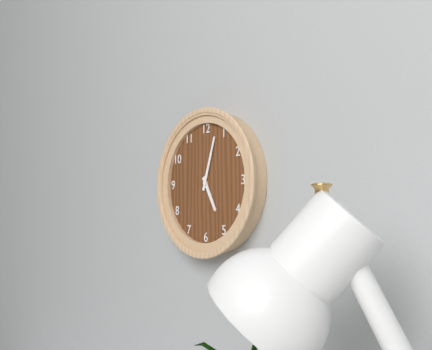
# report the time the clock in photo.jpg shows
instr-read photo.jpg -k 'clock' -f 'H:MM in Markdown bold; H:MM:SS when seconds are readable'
**5:03**
